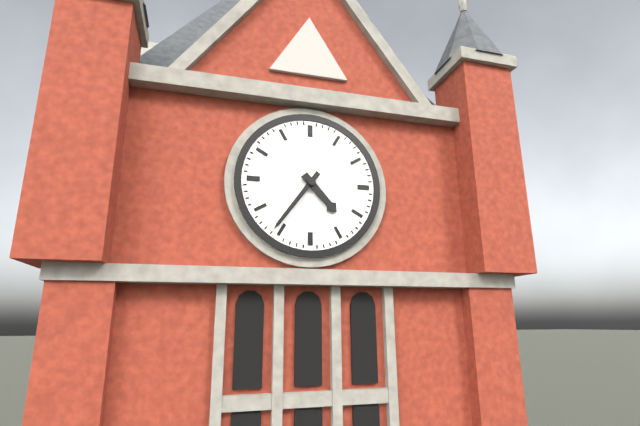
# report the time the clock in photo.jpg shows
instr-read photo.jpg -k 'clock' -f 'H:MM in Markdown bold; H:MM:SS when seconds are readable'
**4:36**
